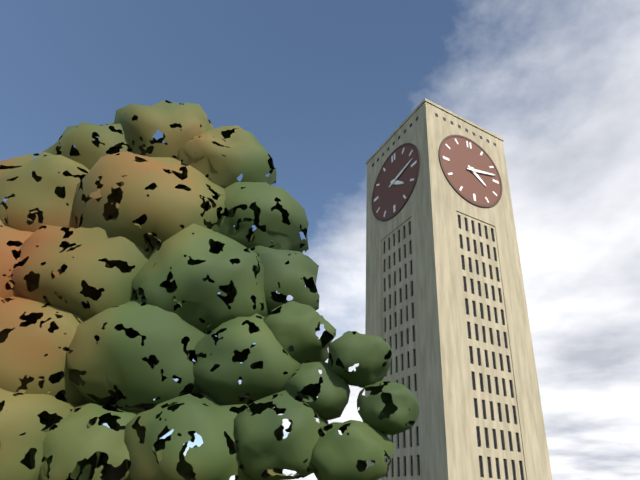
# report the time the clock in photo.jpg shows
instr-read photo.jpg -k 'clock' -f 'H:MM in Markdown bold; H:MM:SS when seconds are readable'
**4:13**
